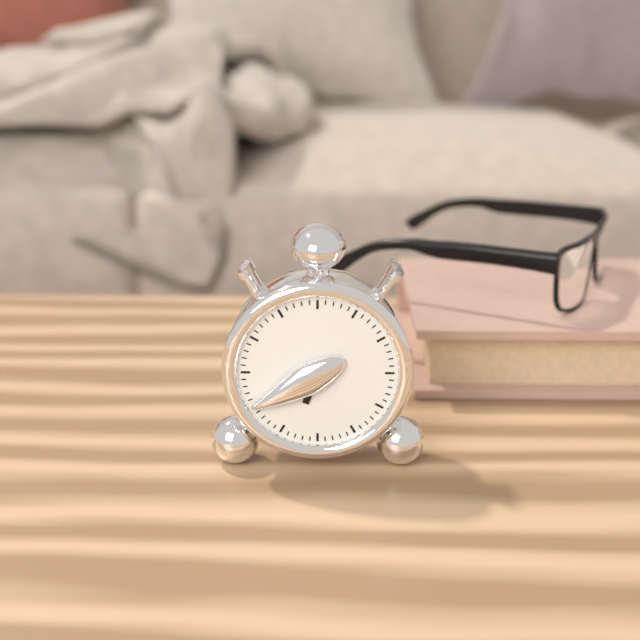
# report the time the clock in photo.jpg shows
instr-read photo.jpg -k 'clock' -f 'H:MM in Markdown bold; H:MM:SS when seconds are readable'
**6:40**
